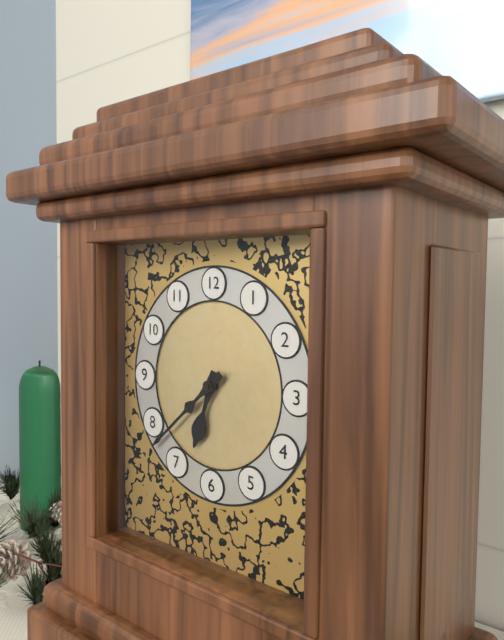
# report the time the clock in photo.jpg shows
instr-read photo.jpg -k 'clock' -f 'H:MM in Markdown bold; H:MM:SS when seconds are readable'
**6:38**
